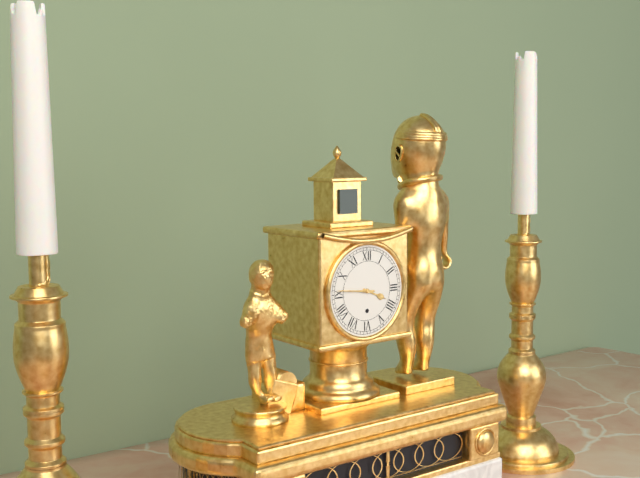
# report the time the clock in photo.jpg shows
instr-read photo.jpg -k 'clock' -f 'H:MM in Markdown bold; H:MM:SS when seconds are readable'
**3:46**
